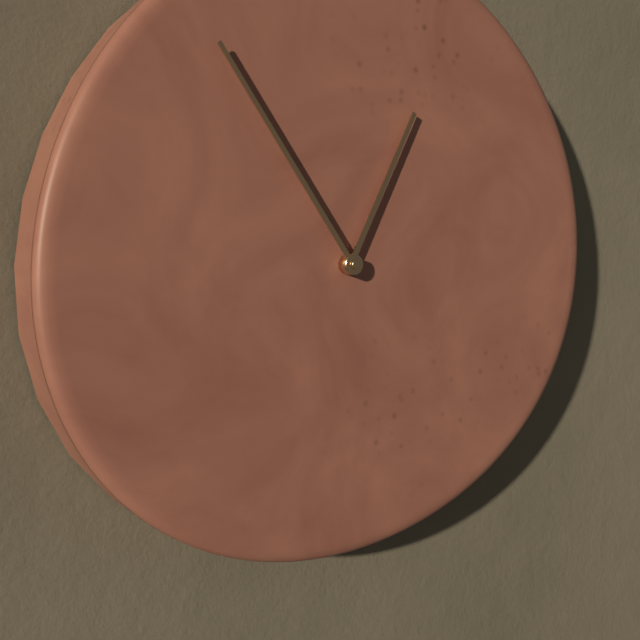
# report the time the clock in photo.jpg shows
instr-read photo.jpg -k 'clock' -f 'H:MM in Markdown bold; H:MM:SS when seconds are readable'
**12:54**
